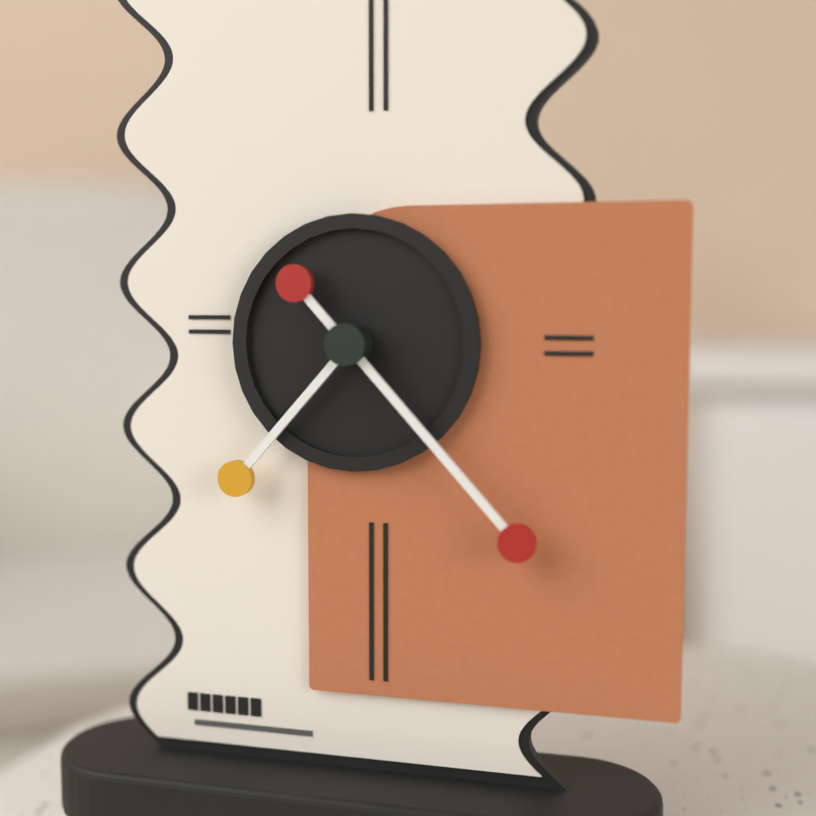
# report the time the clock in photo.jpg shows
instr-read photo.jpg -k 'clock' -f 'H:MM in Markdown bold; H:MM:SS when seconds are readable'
**7:23**
